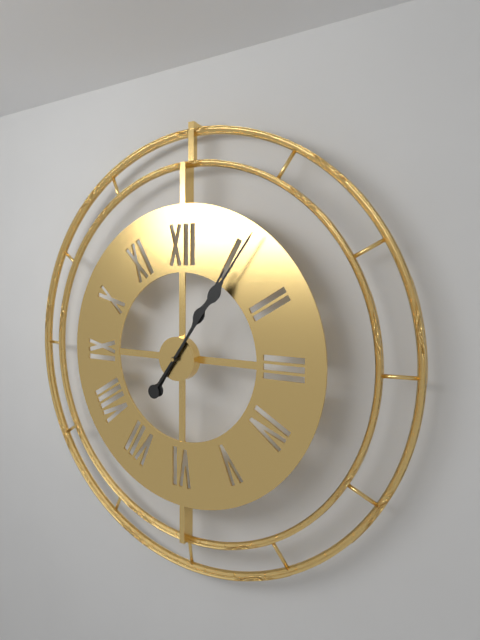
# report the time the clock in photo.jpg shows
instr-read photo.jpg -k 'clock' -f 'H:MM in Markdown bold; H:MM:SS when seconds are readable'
**1:06**
